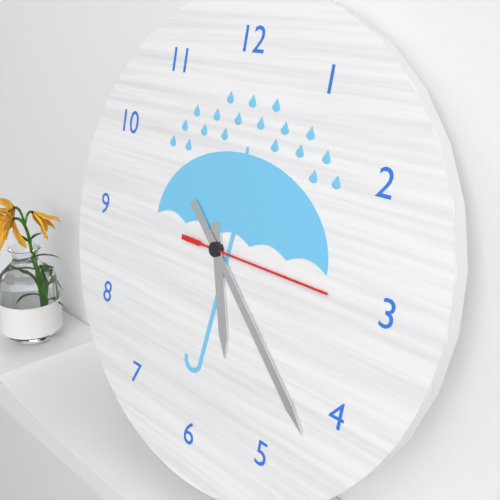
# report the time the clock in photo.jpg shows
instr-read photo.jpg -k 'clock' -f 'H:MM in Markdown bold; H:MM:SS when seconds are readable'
**5:22:15**
